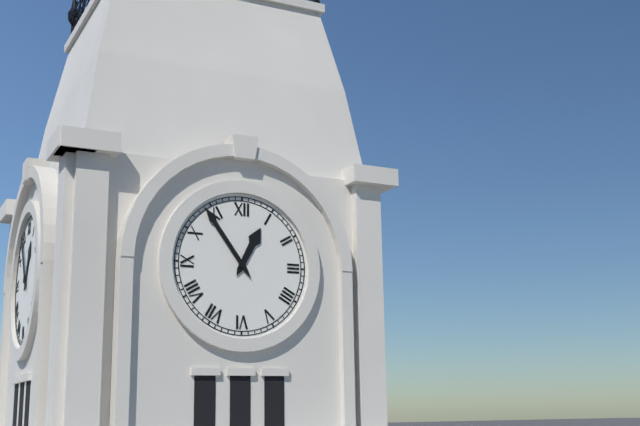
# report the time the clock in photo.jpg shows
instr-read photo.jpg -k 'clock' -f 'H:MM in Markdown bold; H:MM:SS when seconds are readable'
**12:54**
